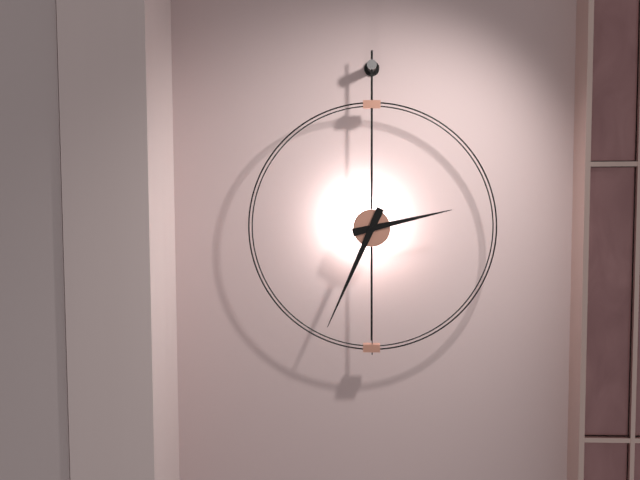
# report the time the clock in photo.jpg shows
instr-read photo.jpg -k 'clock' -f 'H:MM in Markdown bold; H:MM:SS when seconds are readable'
**2:34**
